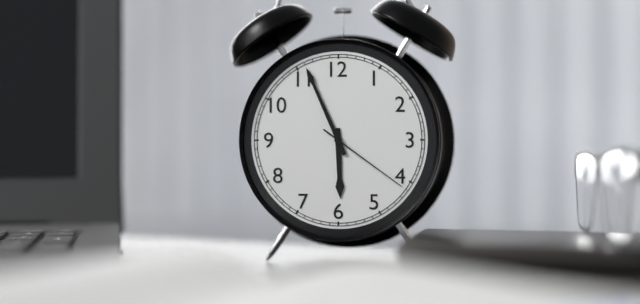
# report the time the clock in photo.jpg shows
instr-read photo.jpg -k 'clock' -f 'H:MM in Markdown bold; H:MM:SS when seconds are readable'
**5:56:21**
